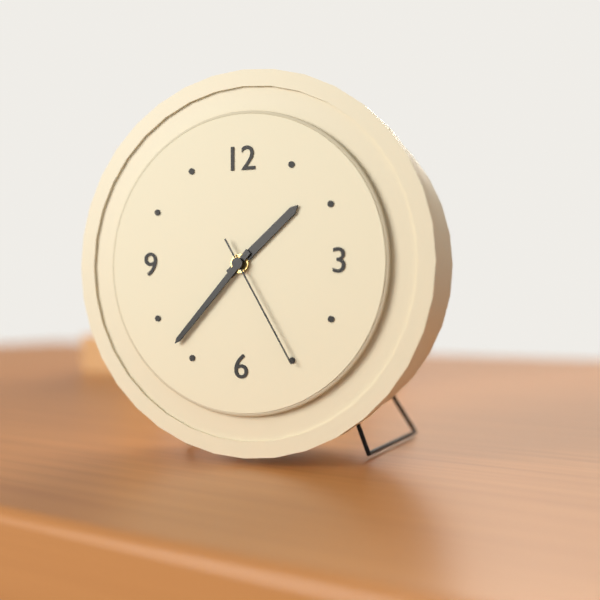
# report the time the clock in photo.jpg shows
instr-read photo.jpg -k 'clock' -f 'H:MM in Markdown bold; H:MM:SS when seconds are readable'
**1:37:25**
